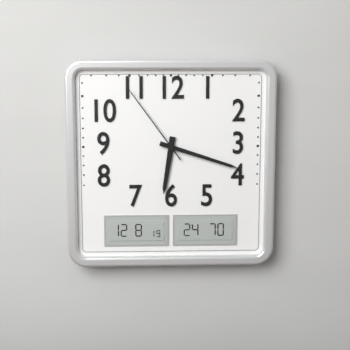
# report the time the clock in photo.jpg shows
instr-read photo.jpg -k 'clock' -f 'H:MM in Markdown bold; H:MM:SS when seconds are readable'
**6:18:54**
